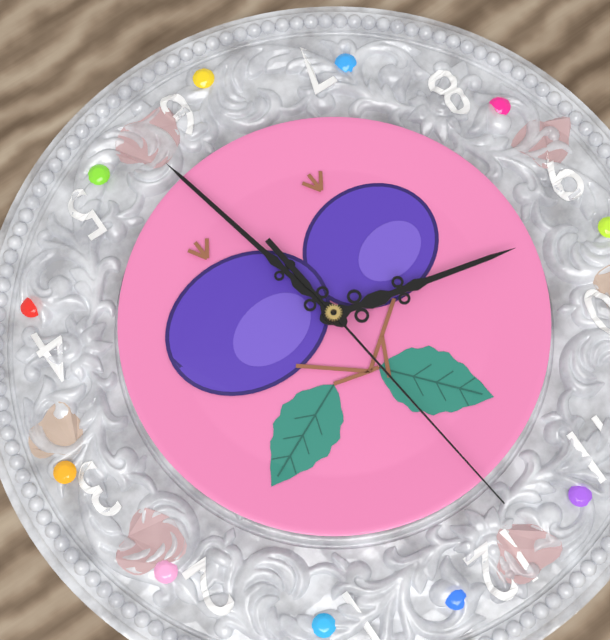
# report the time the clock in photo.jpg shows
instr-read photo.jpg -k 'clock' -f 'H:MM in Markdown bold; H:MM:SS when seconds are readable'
**9:28:59**
